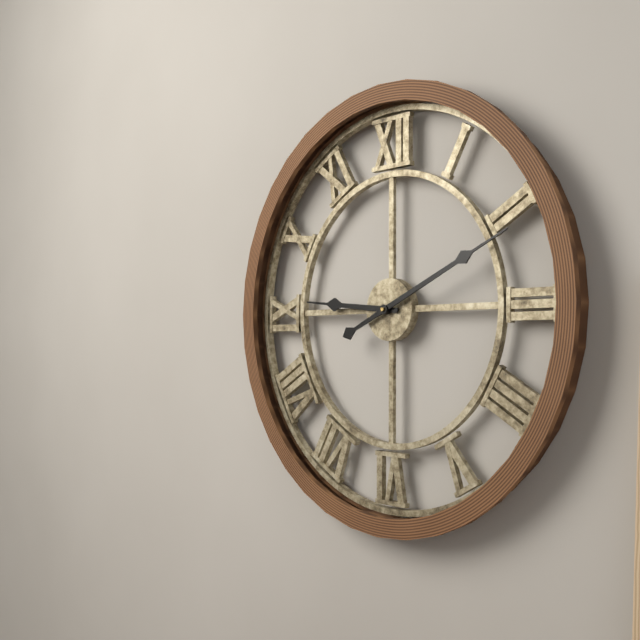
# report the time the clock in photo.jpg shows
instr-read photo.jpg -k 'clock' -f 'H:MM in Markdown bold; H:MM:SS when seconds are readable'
**9:11**
